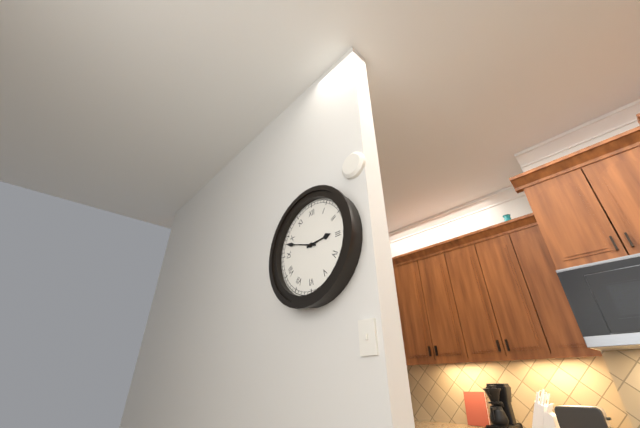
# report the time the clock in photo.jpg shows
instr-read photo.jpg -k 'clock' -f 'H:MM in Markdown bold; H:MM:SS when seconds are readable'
**2:48**
